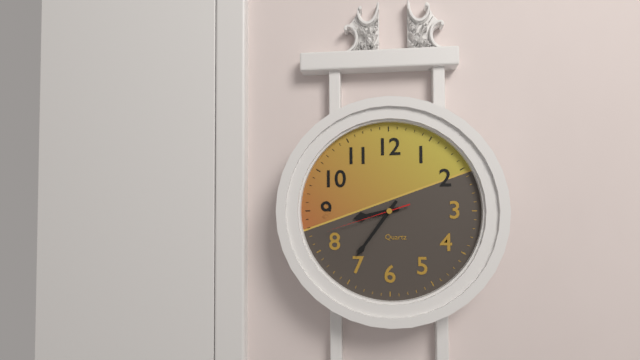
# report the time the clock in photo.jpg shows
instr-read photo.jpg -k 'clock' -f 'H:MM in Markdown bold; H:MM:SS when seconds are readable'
**8:36:42**
